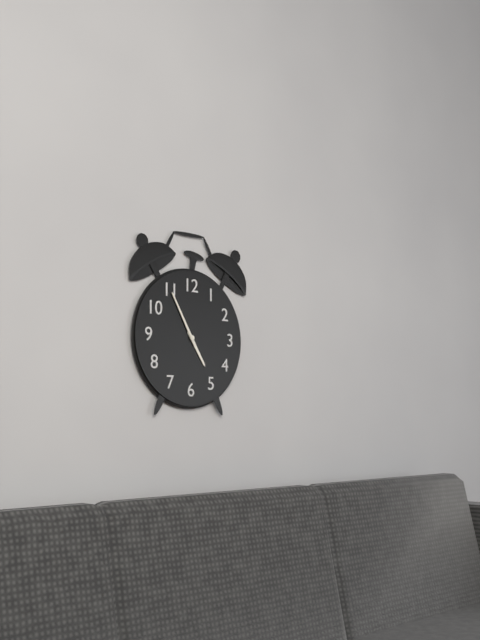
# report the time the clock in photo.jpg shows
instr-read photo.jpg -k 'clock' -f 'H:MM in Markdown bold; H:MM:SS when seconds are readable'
**4:55**
